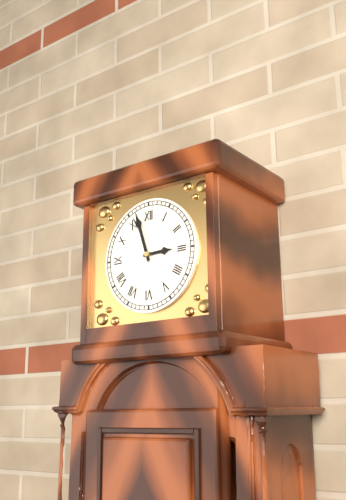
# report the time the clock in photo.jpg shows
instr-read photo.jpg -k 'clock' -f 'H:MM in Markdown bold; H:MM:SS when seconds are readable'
**2:57**
